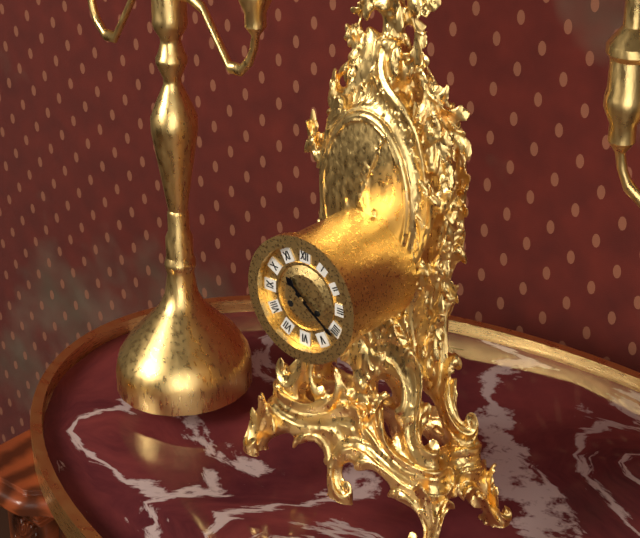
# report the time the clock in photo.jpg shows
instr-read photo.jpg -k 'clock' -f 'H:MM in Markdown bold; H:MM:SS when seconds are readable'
**10:21**
